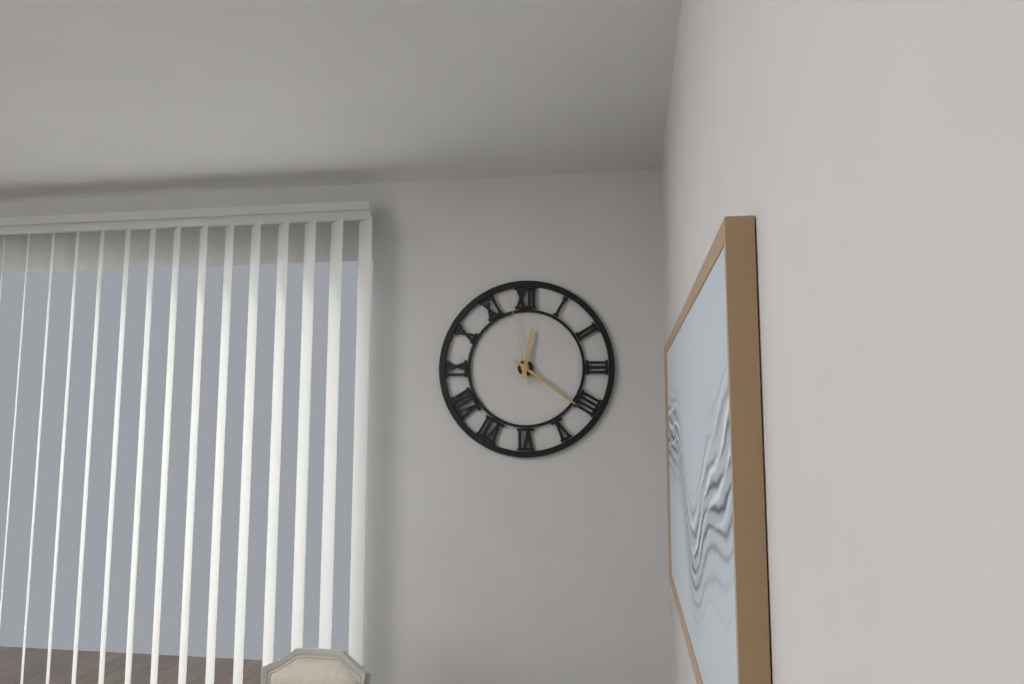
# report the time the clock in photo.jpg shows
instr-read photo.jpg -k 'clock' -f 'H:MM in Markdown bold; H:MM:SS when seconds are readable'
**12:21:58**
